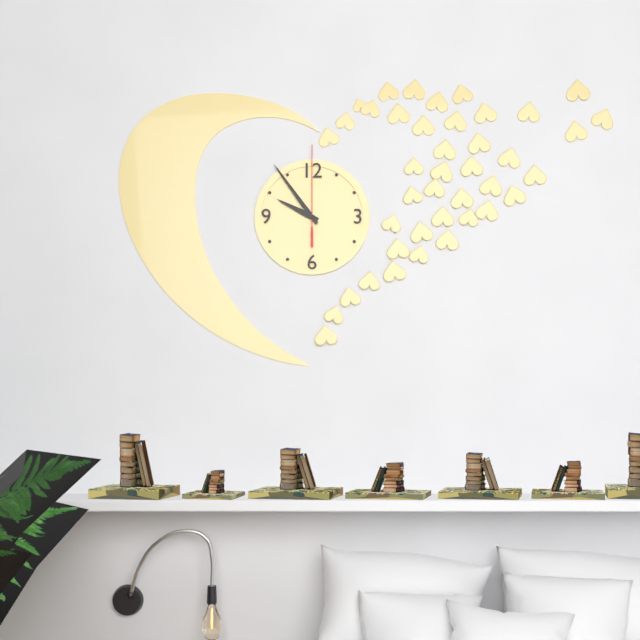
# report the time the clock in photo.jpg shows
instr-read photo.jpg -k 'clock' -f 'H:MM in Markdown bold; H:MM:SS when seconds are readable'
**9:54:00**
